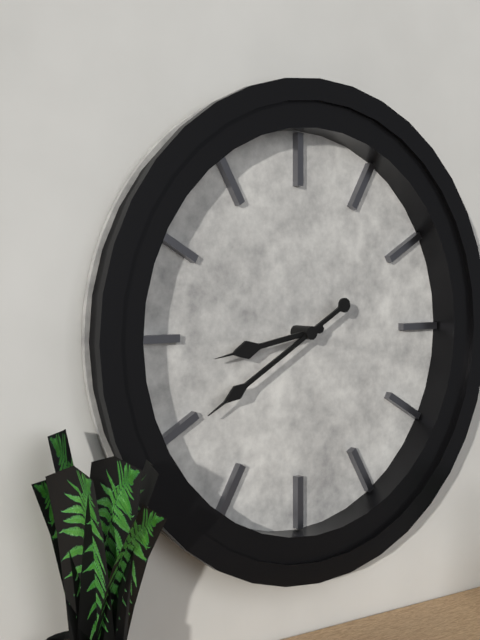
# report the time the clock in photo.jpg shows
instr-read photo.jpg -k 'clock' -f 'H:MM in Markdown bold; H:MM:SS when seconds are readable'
**8:40**
